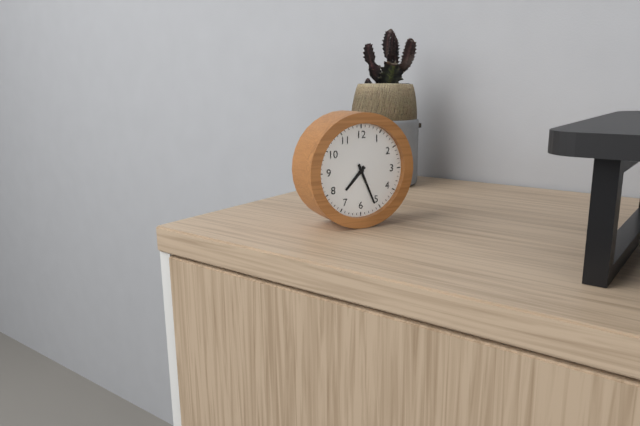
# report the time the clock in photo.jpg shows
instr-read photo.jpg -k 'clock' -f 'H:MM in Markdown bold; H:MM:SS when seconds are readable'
**7:26**
